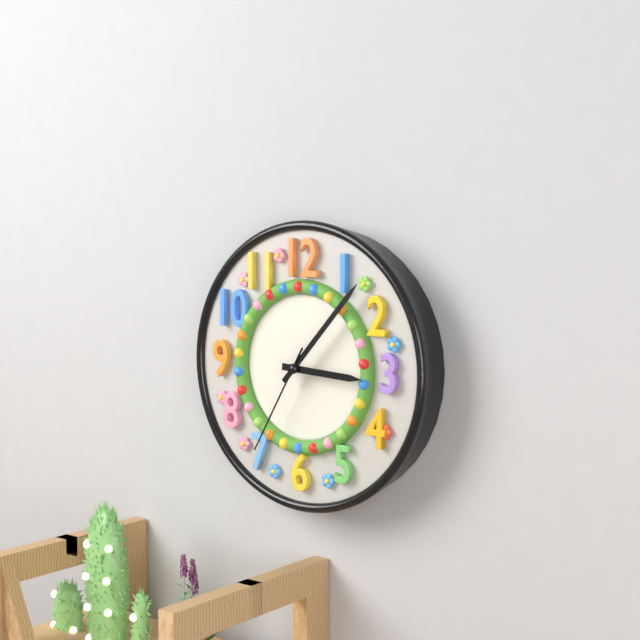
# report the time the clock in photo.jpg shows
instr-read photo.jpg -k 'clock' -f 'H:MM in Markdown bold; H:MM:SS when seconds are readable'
**3:07:35**
